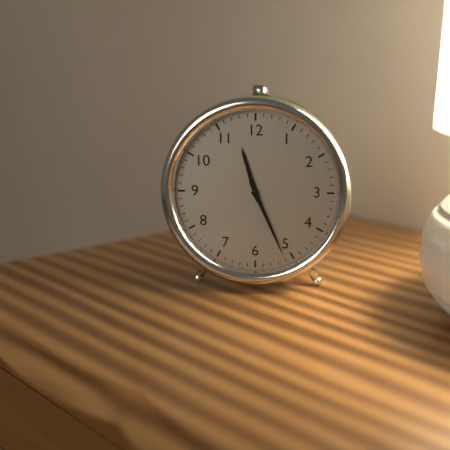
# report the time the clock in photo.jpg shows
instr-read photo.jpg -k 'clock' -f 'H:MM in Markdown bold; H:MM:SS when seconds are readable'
**11:26**
